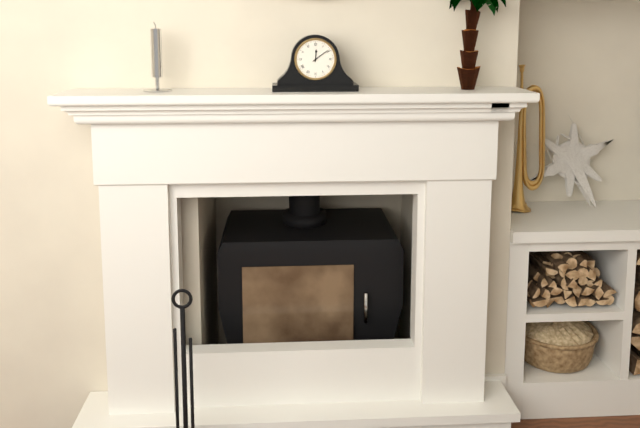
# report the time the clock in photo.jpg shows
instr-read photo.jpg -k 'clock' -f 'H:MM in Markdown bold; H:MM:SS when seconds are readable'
**12:09**
